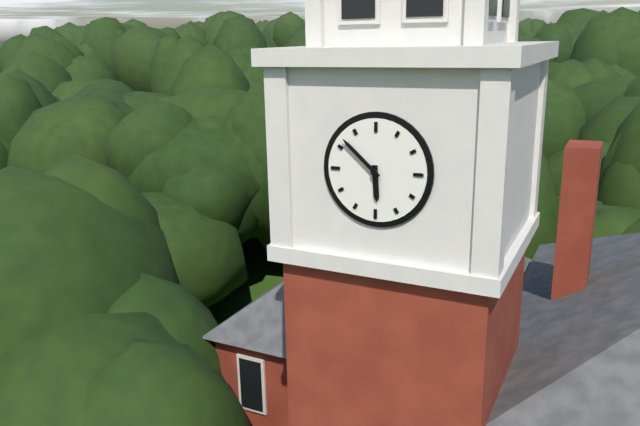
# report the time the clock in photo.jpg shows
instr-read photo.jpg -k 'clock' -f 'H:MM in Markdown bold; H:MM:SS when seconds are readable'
**5:52**
